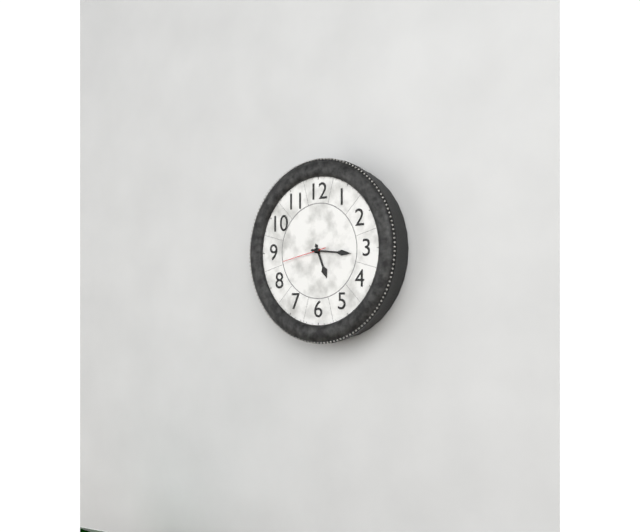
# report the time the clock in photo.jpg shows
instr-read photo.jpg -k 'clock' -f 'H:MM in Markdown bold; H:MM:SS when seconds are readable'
**5:16**
